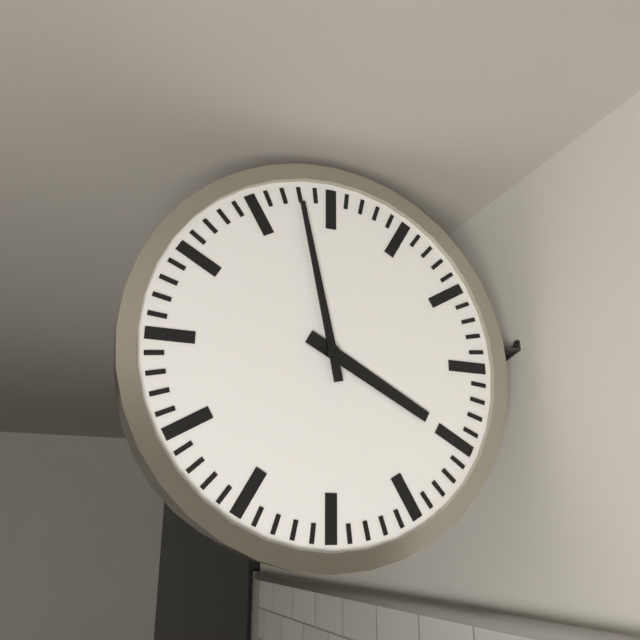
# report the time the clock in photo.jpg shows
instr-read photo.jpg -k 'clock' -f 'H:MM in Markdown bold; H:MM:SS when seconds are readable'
**3:58**
